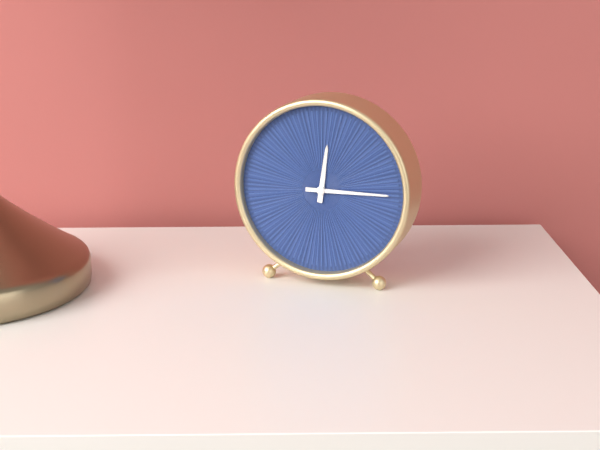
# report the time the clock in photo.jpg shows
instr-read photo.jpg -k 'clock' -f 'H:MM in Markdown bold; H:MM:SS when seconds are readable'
**12:15**
